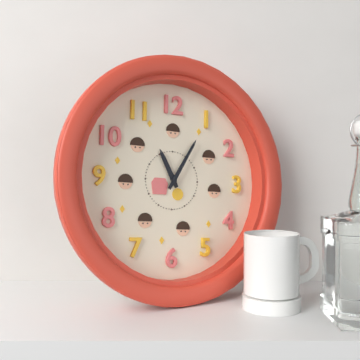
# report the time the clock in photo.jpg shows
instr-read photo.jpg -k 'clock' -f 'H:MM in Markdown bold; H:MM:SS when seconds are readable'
**11:05**
